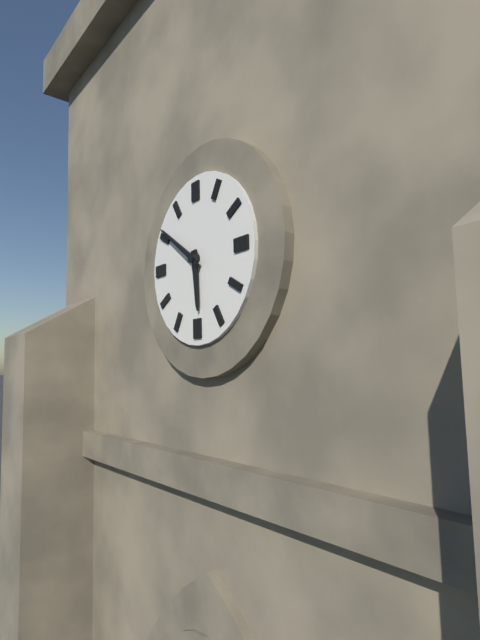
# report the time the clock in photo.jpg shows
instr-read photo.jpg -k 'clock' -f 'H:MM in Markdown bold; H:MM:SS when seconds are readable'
**5:51**
